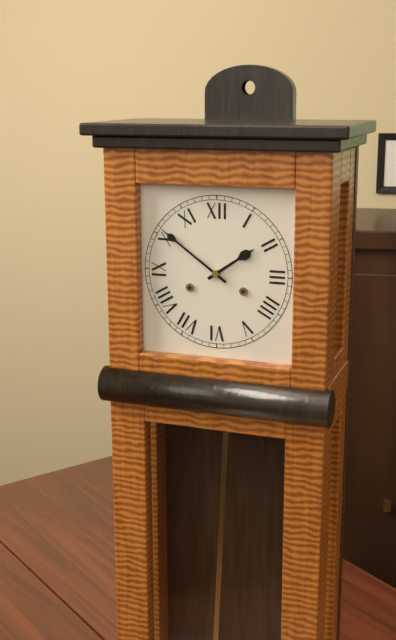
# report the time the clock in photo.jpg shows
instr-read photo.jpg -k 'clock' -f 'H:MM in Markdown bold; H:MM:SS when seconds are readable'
**1:51**
